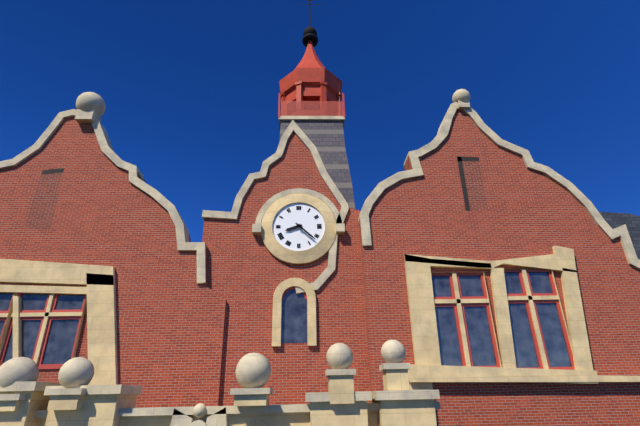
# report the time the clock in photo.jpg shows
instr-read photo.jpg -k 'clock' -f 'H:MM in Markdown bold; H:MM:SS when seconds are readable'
**8:22**
